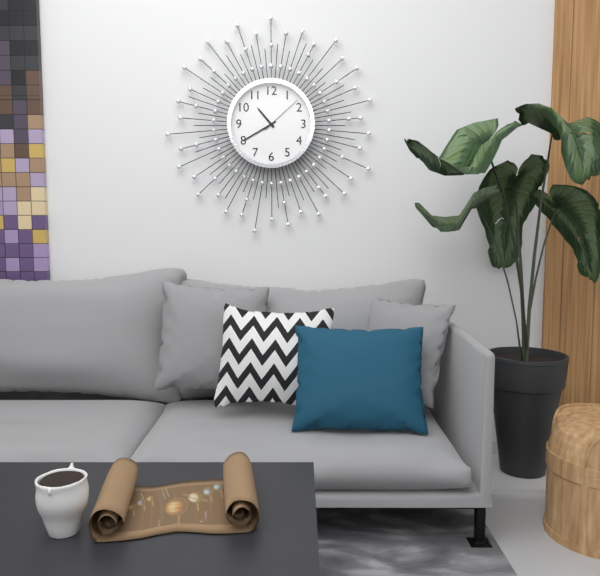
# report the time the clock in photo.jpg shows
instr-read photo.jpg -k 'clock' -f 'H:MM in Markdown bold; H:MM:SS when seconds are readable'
**10:40**
